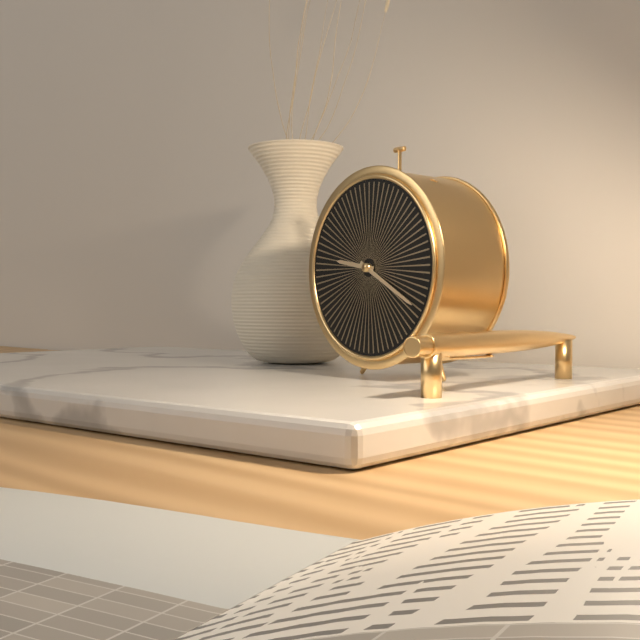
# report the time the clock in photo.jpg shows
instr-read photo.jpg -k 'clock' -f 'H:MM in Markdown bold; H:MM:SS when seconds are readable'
**9:20**
